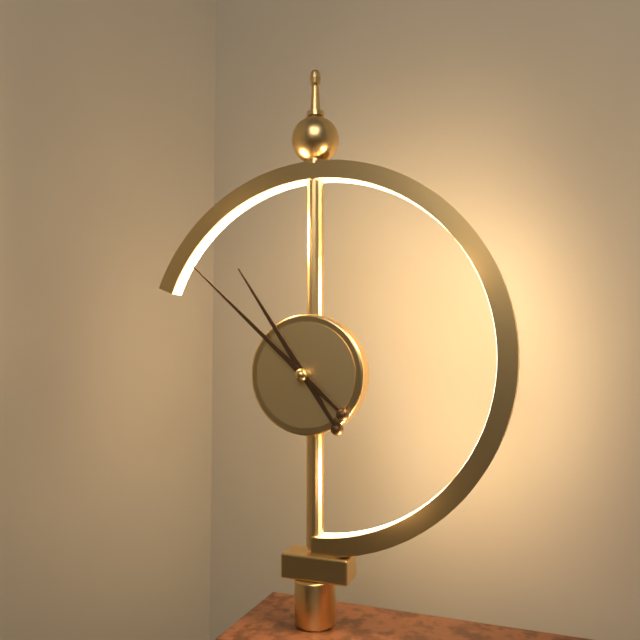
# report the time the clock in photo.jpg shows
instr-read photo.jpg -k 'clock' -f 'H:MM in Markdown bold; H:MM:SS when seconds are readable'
**10:52**
